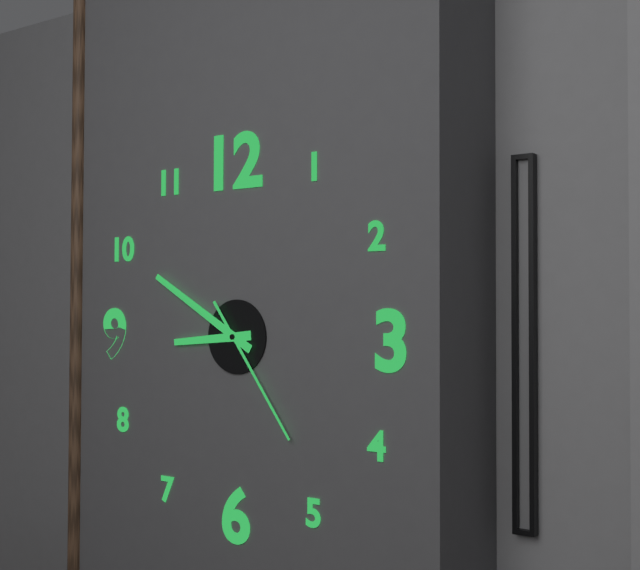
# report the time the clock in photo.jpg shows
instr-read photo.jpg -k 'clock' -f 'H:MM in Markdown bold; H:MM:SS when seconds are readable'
**8:50:24**
